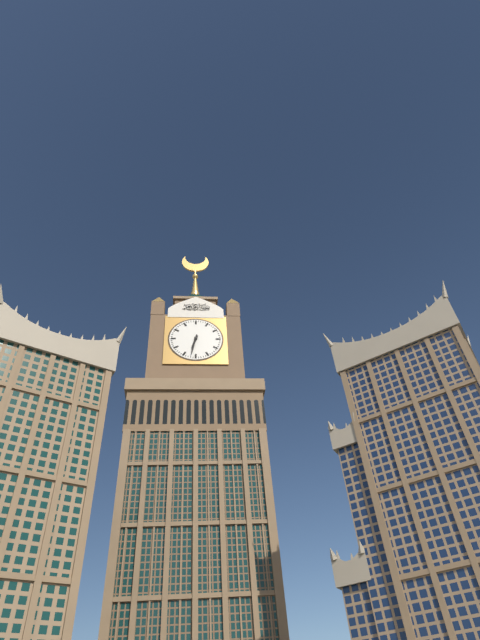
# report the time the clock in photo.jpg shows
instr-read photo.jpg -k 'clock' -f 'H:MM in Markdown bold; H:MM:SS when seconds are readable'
**6:32**
